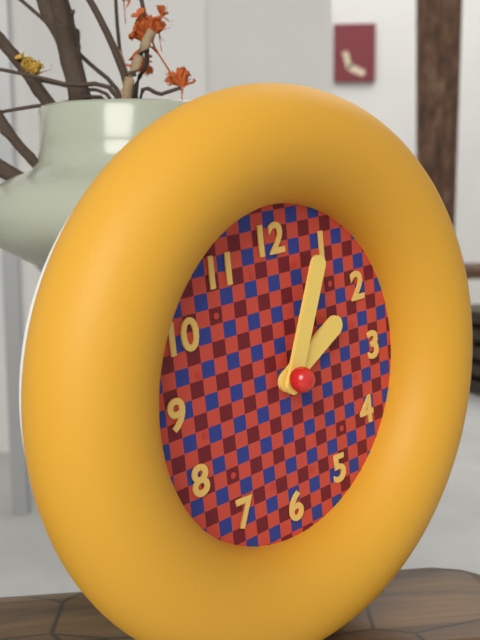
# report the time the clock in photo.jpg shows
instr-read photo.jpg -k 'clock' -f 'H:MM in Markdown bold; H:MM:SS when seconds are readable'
**2:04**
